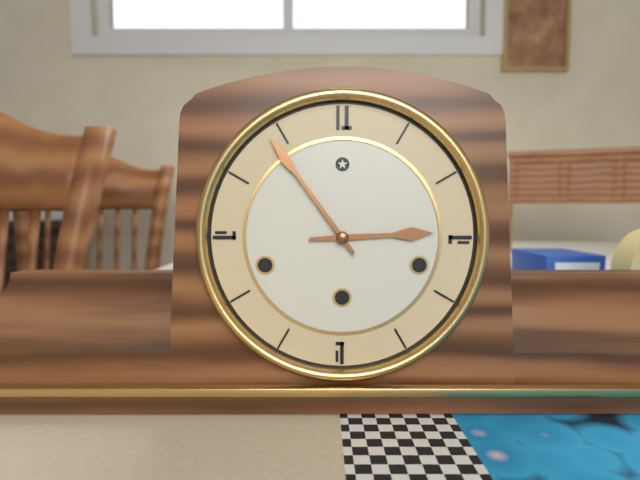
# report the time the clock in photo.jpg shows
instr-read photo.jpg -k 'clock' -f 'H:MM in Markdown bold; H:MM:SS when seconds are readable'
**2:54**
